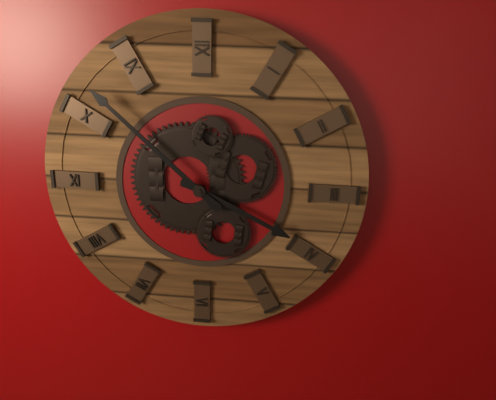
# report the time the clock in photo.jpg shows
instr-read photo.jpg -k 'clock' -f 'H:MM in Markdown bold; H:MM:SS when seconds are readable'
**3:52**
